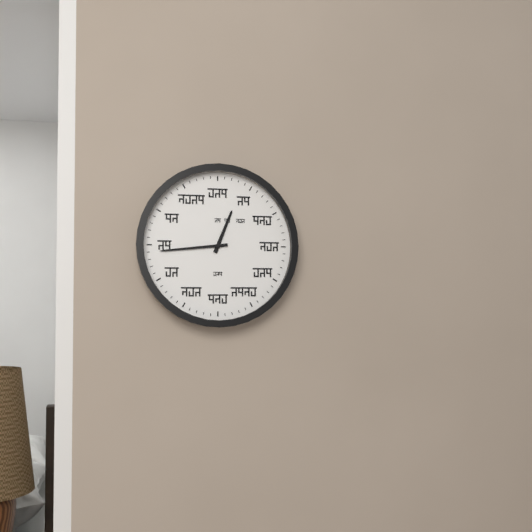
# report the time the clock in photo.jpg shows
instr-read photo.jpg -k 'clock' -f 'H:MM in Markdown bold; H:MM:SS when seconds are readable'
**12:44**
